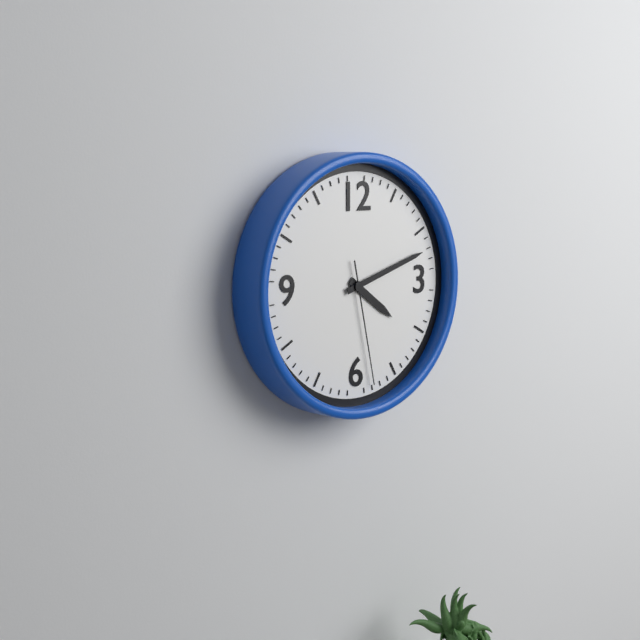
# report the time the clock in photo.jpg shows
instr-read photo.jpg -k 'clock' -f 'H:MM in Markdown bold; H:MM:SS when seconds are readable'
**4:12:28**
